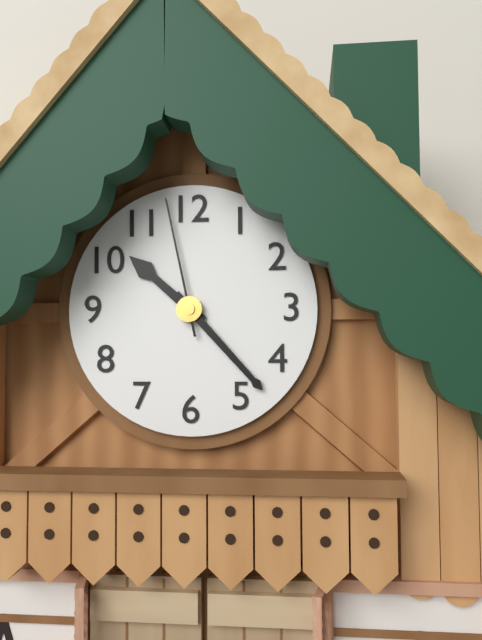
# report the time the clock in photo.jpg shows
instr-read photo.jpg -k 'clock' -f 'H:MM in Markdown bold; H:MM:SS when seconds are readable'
**10:23:58**
